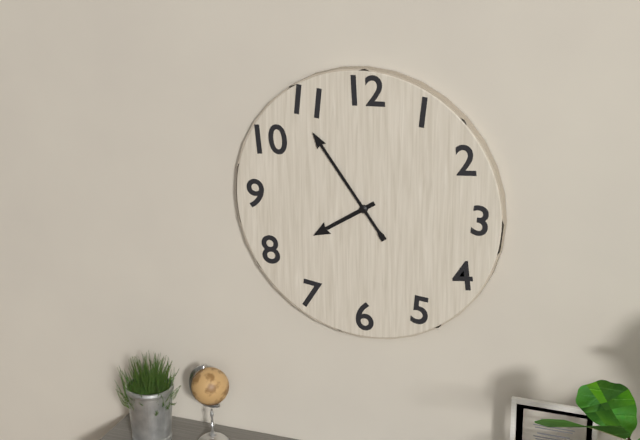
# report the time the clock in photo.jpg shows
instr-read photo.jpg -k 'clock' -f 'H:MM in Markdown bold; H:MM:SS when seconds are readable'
**7:54**
